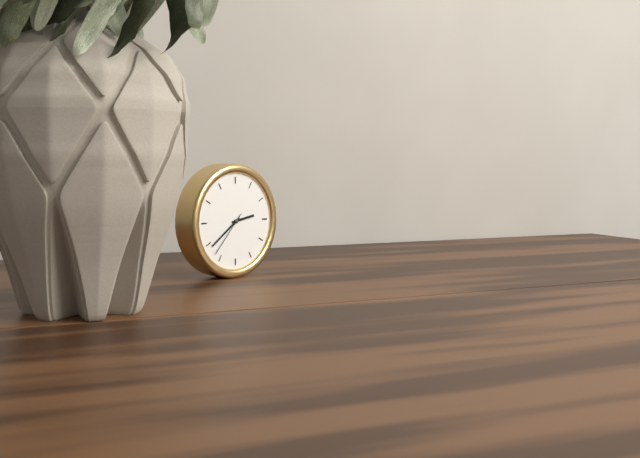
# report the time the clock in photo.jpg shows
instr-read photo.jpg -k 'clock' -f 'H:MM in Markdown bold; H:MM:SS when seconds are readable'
**2:39**
